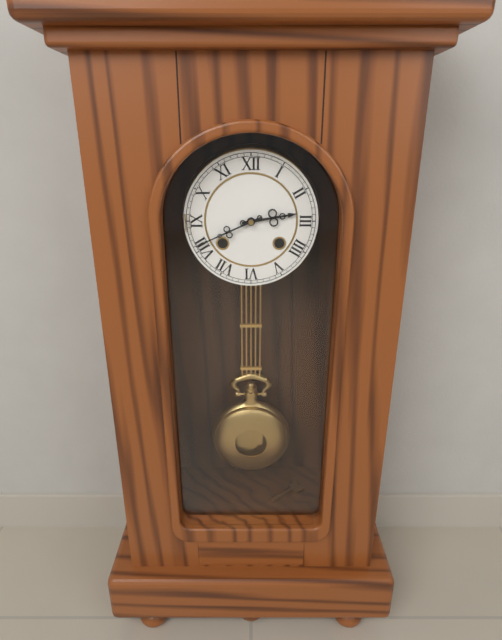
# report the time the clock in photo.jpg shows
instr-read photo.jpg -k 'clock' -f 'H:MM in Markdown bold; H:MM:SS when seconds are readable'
**2:41**
